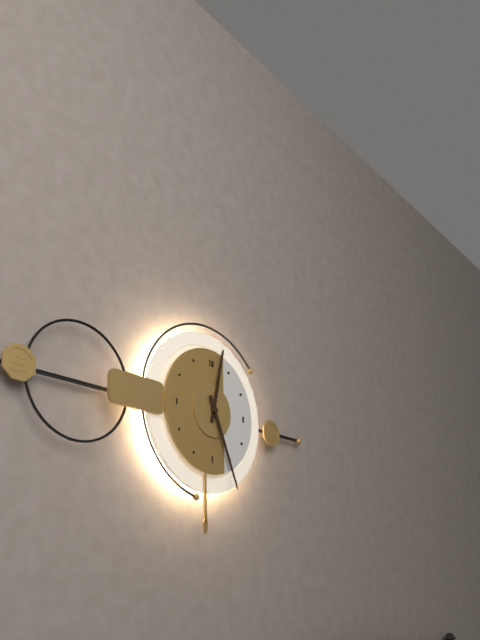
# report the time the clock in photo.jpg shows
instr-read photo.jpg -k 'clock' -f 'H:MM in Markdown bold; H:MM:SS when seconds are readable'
**12:26**
